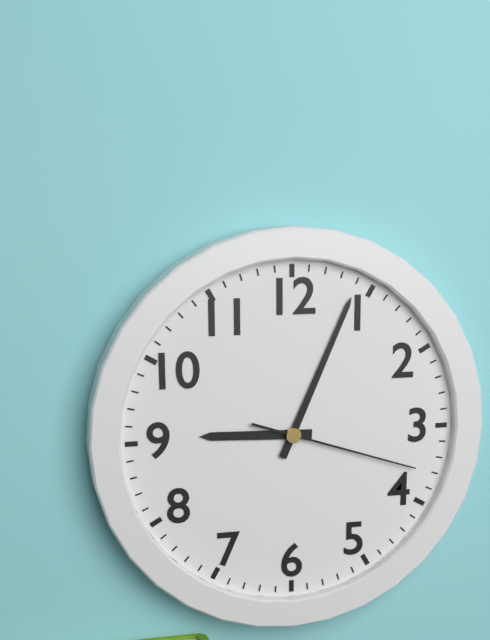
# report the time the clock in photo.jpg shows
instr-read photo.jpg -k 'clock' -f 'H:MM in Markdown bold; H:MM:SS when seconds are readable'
**9:04:18**
